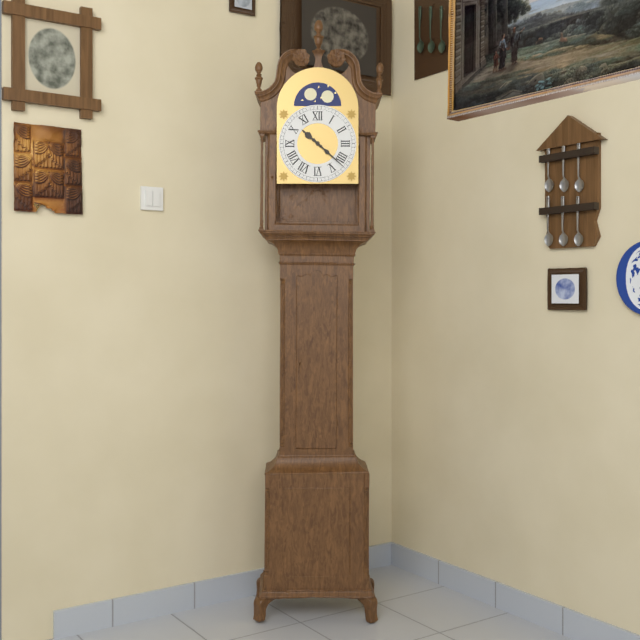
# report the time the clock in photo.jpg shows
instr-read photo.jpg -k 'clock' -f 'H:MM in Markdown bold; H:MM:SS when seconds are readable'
**10:22**
